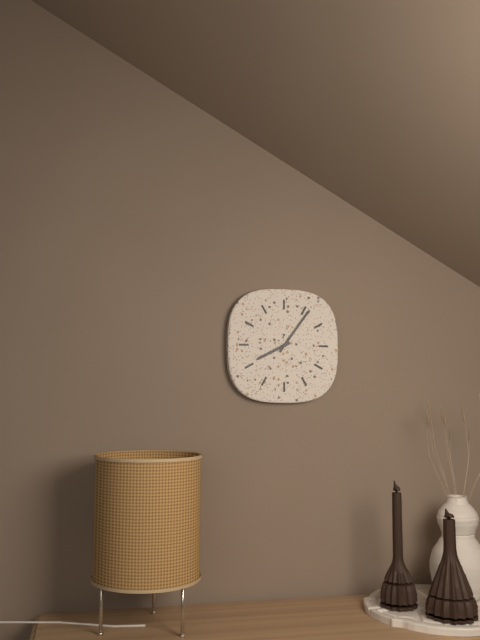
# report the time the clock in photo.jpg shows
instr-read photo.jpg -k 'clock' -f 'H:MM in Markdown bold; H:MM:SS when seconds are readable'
**8:06**
